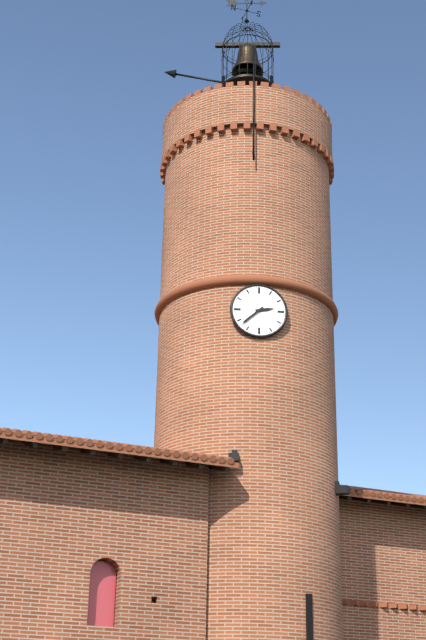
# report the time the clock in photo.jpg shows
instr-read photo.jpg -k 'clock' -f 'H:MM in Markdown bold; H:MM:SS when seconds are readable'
**2:38**
